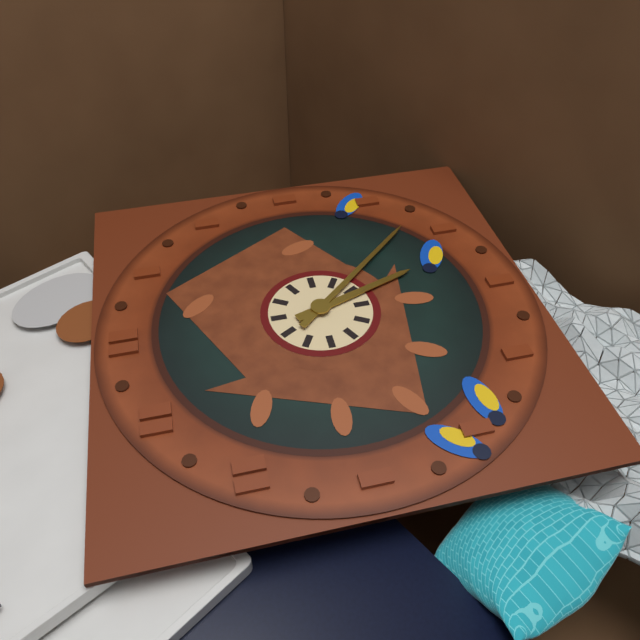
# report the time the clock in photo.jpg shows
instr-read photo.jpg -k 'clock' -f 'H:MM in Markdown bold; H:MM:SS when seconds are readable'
**5:23**
